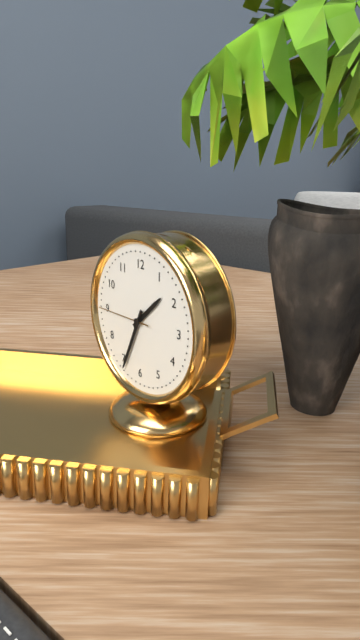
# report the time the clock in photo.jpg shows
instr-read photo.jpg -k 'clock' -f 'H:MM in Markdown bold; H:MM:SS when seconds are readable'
**1:34:45**
